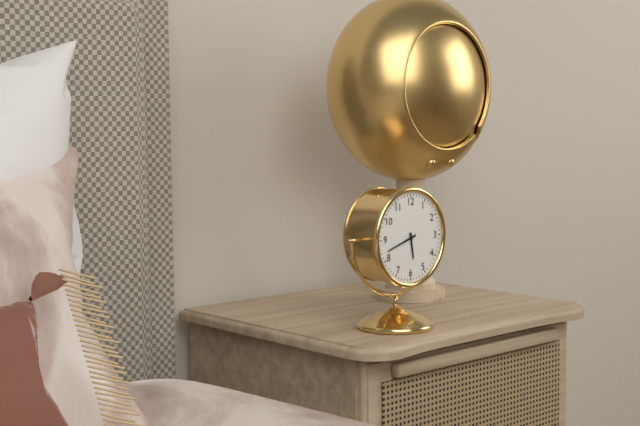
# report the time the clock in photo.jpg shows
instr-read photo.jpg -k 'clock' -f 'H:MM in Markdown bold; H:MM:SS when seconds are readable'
**5:42**
